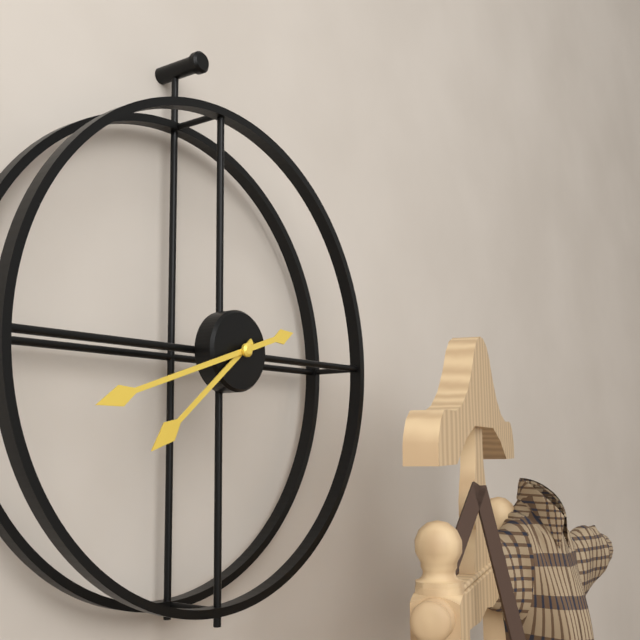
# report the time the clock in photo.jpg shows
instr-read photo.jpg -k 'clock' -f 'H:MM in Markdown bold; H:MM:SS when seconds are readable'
**7:42**
